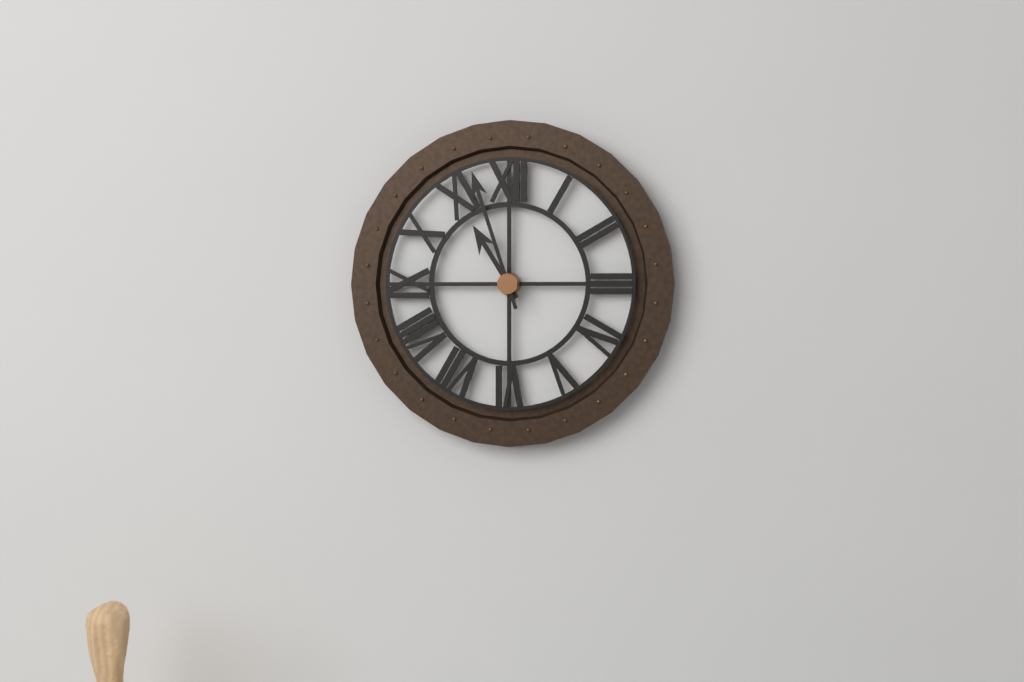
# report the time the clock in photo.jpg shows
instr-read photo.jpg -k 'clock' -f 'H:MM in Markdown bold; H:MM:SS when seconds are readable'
**10:57**
